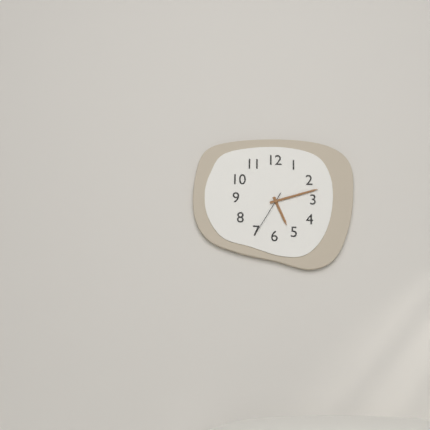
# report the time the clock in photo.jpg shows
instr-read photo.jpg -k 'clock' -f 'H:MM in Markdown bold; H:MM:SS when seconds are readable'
**5:12**
